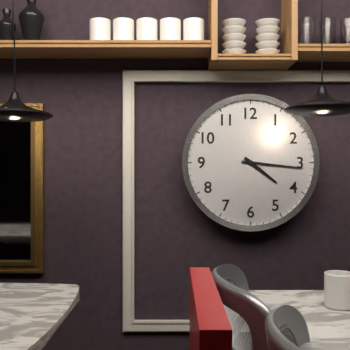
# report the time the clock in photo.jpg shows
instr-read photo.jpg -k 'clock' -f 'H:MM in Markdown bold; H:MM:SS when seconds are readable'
**4:16**
